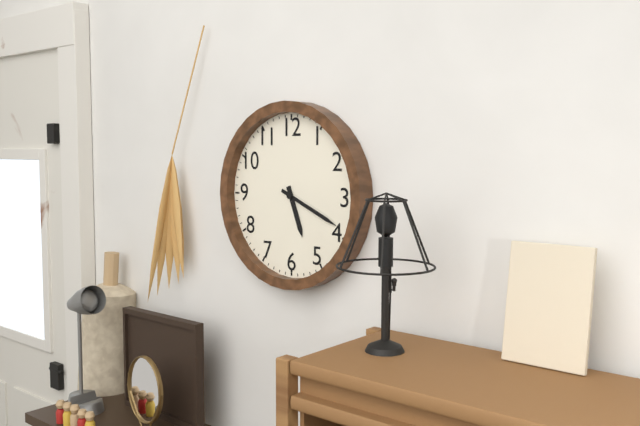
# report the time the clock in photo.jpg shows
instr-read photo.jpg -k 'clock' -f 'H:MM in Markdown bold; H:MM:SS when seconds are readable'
**5:19**
